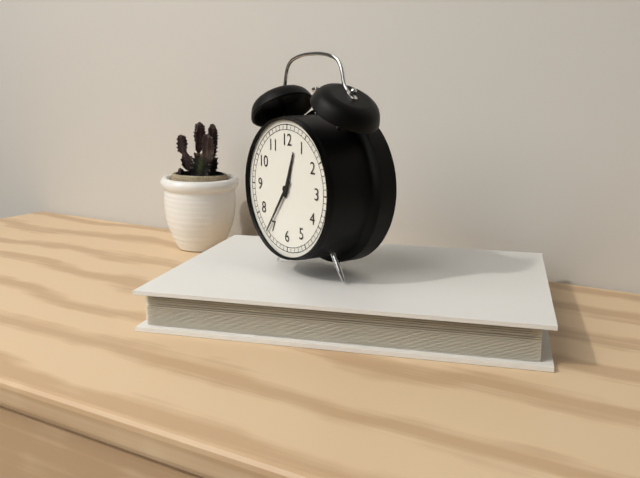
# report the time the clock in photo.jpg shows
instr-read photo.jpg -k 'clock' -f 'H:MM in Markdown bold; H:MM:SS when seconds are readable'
**12:36**
